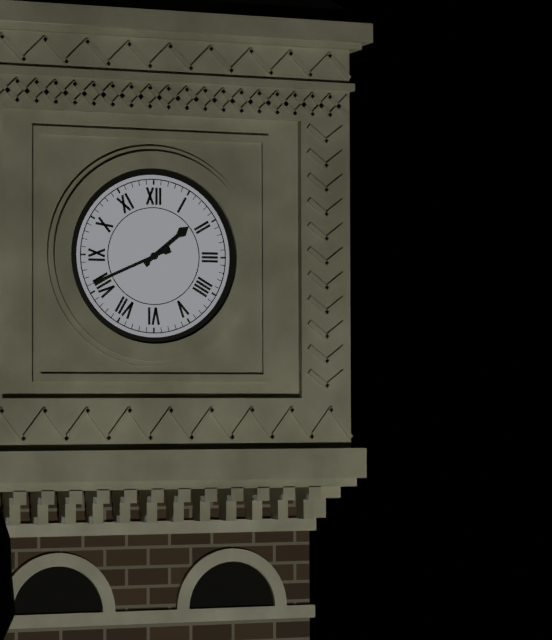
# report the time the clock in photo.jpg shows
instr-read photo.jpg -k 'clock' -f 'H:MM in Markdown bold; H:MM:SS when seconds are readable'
**1:41**
